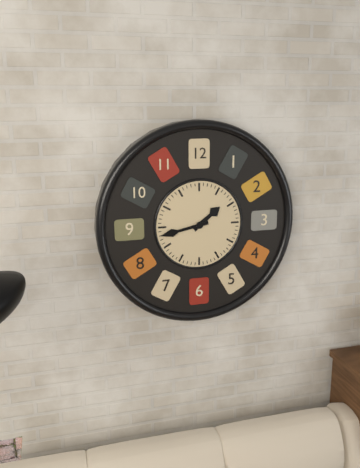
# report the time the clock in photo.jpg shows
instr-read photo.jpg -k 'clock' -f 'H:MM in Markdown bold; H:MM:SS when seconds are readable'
**1:43**
